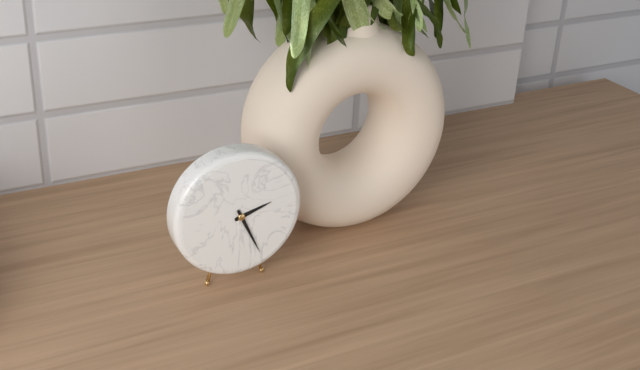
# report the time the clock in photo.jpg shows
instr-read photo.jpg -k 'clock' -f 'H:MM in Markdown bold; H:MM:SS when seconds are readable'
**2:26**
